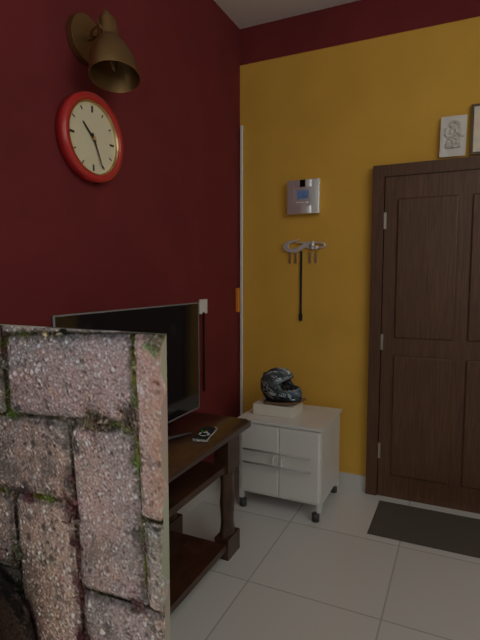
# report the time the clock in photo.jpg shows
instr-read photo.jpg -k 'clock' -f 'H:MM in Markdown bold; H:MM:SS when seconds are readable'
**10:26**
